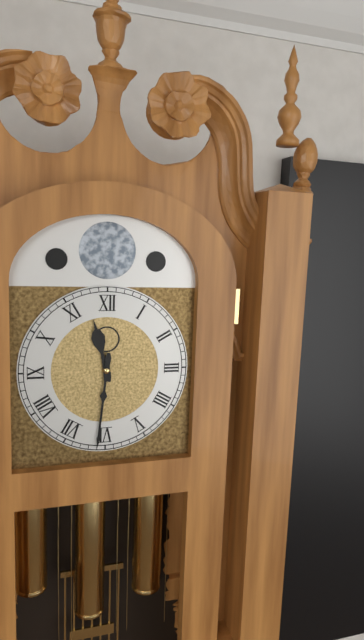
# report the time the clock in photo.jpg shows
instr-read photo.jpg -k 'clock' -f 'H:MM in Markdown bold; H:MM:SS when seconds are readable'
**11:31**
